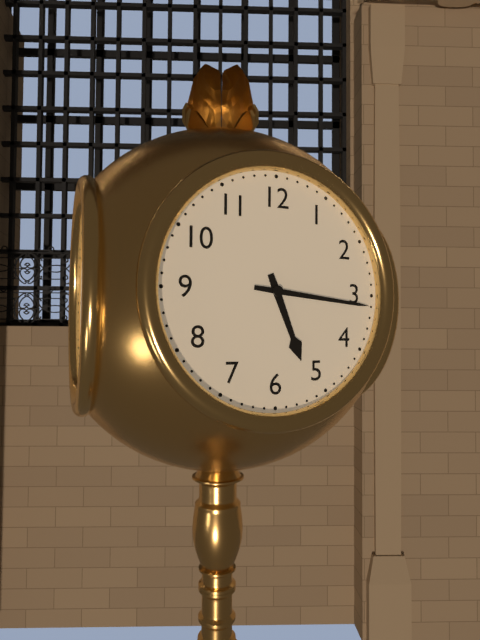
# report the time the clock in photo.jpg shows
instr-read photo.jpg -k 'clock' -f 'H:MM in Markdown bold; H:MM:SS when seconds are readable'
**5:16**
